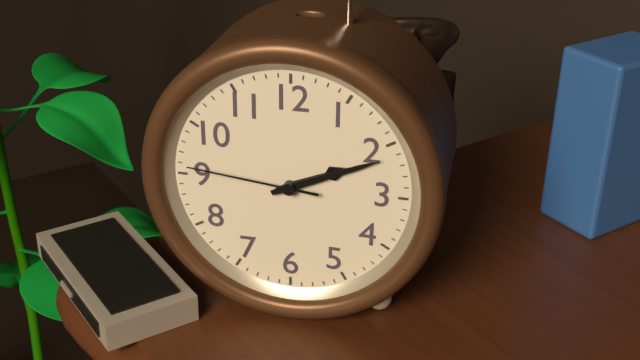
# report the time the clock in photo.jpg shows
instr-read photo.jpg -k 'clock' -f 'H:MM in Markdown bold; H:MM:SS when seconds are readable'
**2:11:46**
